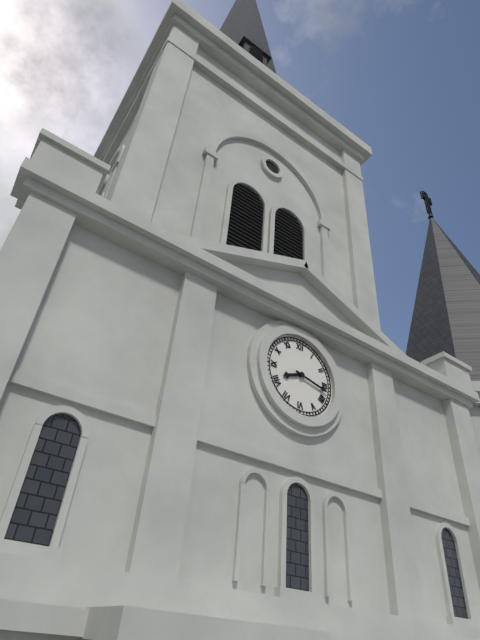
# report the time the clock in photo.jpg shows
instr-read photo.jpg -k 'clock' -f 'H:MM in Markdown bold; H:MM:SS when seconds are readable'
**8:17**
